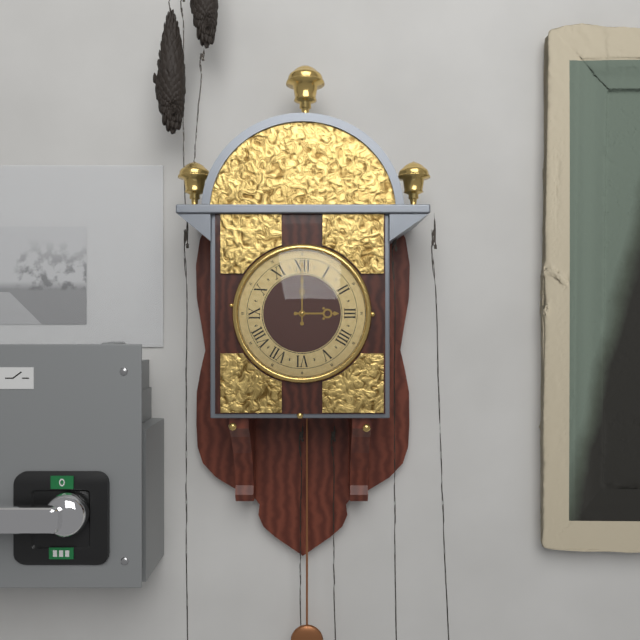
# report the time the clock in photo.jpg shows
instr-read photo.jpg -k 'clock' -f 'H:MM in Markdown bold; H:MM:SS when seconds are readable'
**3:00**
